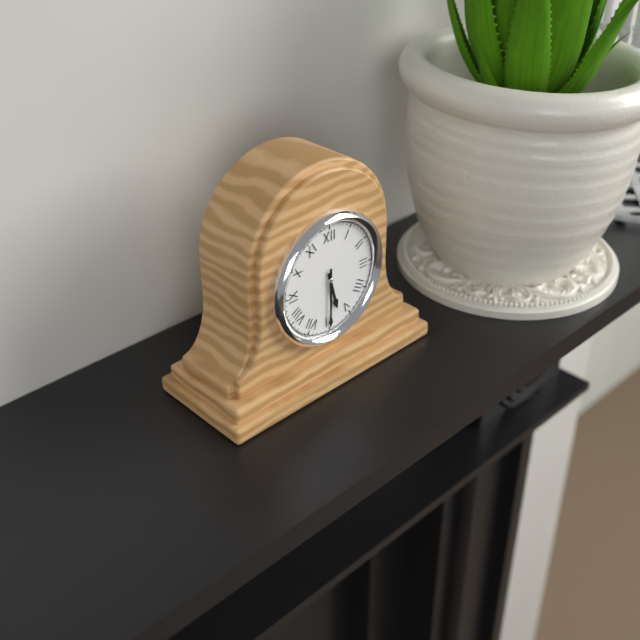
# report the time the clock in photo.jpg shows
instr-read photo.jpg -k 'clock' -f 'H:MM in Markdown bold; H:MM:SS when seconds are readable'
**5:30**
